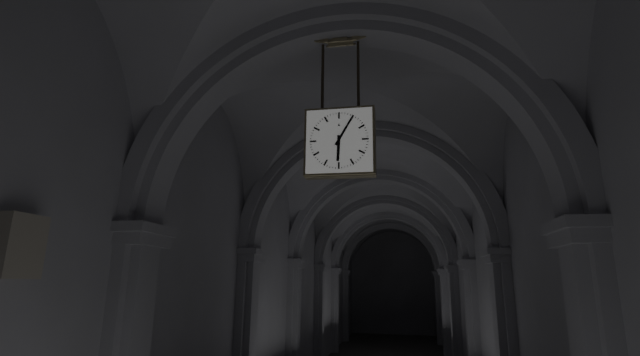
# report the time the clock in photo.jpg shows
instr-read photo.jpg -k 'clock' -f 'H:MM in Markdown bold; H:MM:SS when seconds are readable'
**6:05**
